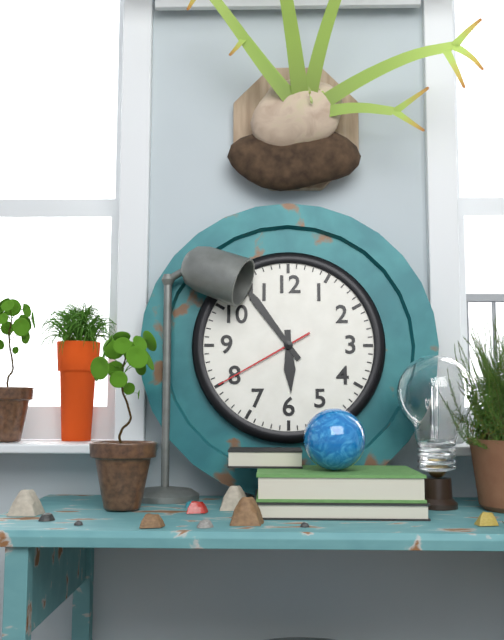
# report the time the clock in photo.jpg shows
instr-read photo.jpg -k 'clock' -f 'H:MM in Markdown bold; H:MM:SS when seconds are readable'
**5:54:40**
